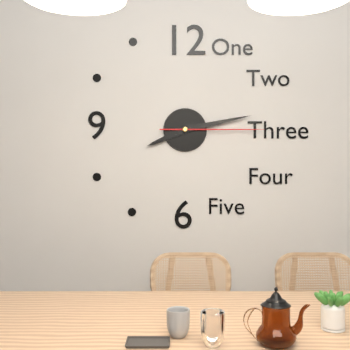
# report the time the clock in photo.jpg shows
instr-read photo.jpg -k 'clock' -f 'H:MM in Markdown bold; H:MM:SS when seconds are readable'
**8:13:15**
